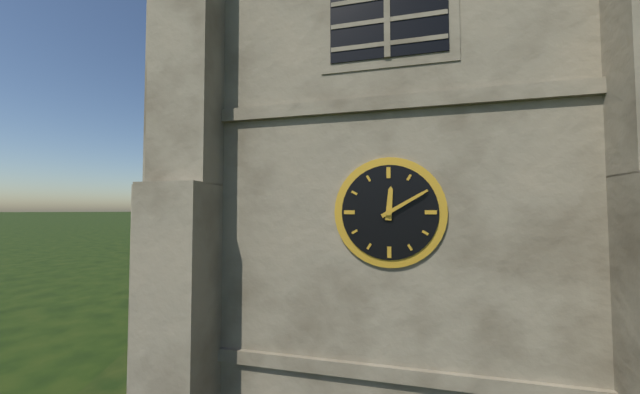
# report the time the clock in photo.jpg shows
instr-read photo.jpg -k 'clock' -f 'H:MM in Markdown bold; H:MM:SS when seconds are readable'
**12:10**
